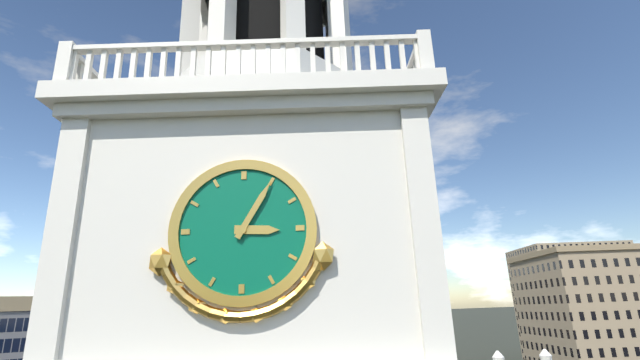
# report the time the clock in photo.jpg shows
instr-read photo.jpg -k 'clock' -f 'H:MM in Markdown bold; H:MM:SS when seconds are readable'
**3:05**
